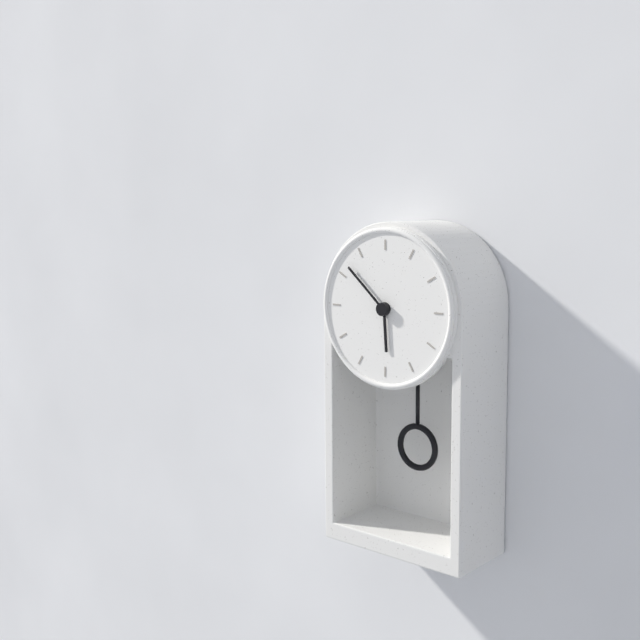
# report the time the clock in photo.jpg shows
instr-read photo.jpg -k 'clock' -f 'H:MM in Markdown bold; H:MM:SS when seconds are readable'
**5:52**
